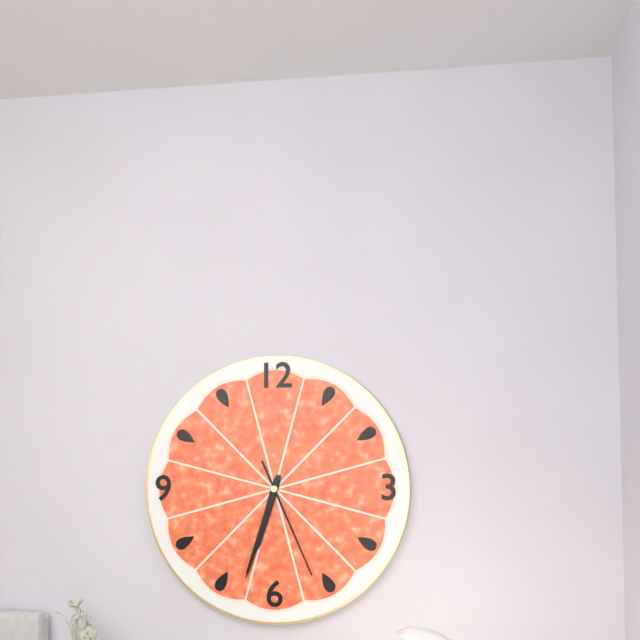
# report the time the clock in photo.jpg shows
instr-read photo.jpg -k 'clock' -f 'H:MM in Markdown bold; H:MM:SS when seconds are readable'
**6:33:26**
